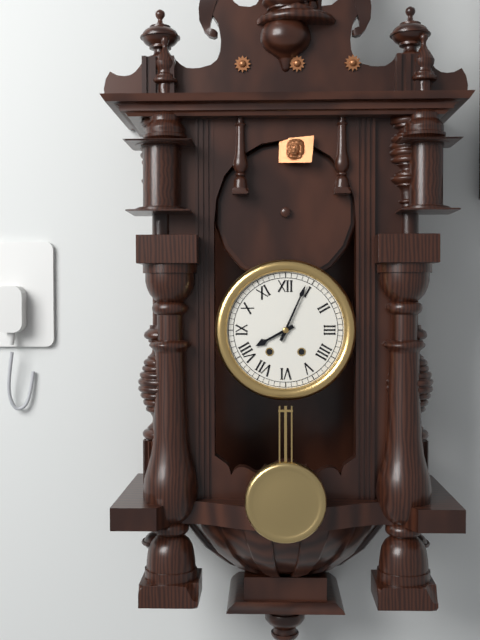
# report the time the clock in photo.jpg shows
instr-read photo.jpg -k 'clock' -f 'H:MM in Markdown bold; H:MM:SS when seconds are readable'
**8:04**
